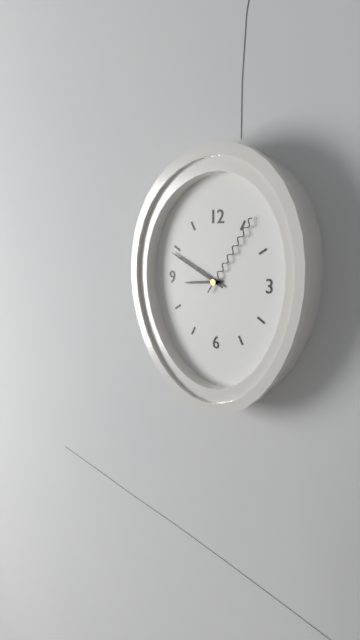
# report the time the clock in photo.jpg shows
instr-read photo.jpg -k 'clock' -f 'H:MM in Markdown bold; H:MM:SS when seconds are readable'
**8:49:06**
